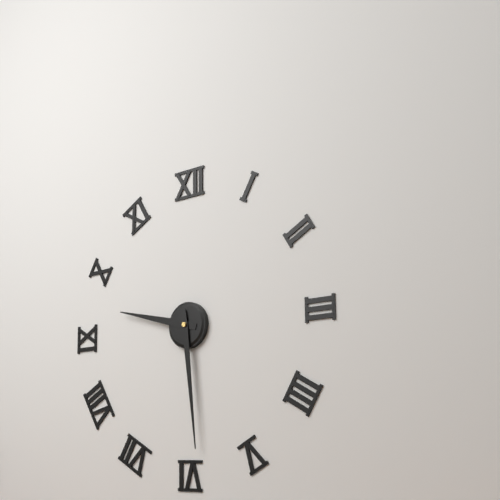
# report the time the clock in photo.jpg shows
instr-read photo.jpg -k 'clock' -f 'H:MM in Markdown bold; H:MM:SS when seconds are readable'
**9:29**
